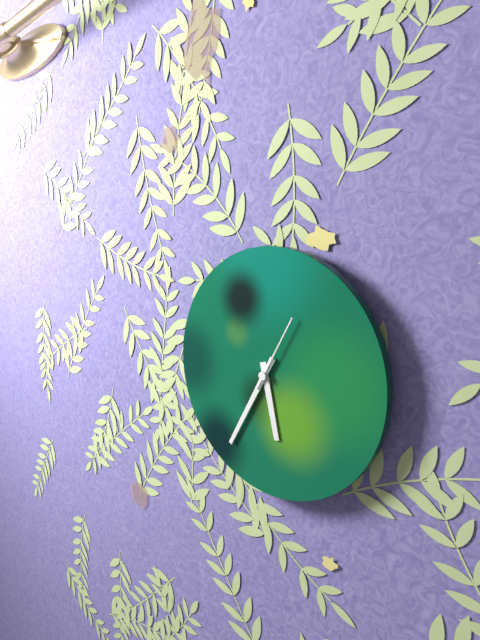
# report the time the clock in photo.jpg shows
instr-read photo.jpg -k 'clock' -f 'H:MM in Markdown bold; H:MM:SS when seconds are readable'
**5:35:05**
